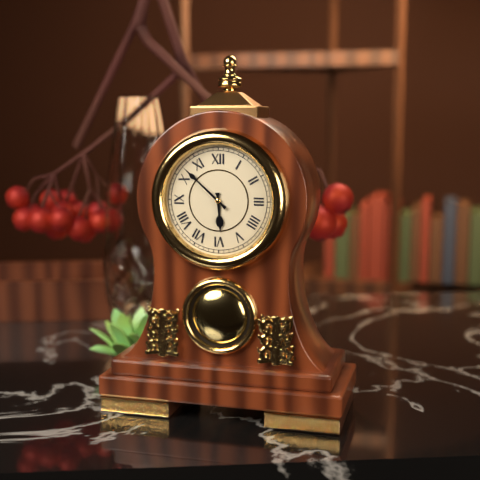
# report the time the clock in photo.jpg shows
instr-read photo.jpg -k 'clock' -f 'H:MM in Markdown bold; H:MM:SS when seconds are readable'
**5:52**
